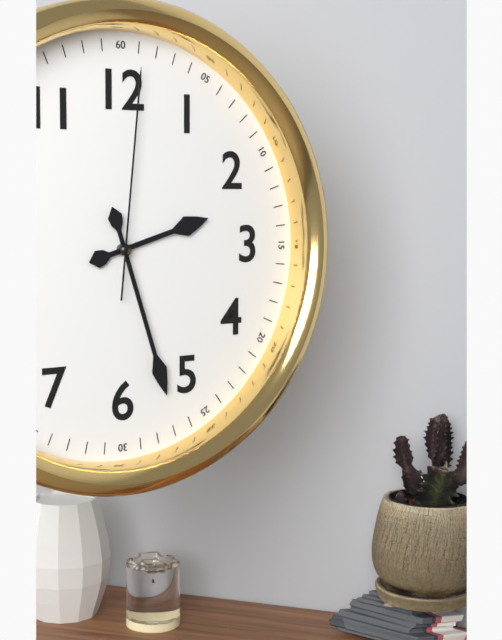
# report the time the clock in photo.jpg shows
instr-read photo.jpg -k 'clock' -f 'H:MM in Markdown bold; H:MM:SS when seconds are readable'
**2:27:01**
